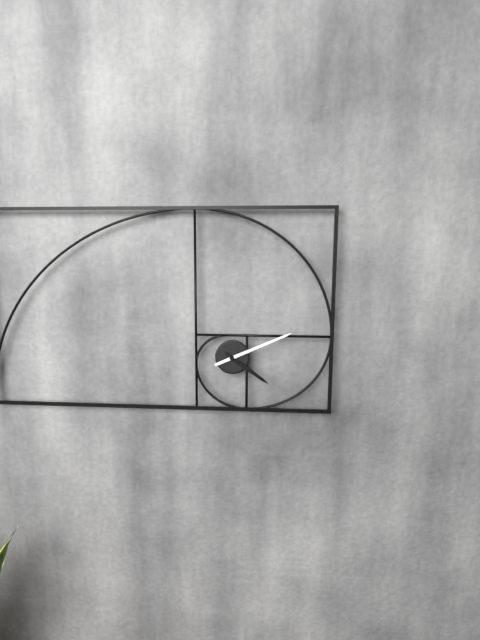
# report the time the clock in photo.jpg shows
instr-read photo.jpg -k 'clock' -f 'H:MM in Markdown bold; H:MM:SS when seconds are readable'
**4:11**
